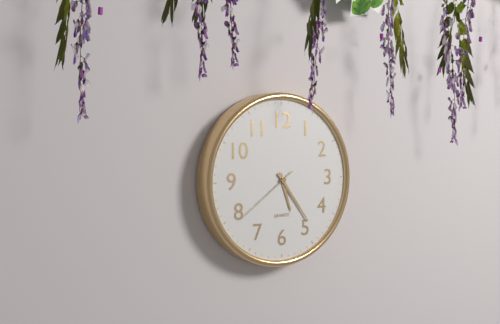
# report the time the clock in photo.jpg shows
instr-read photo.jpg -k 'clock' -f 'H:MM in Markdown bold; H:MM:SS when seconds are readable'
**5:24:39**
